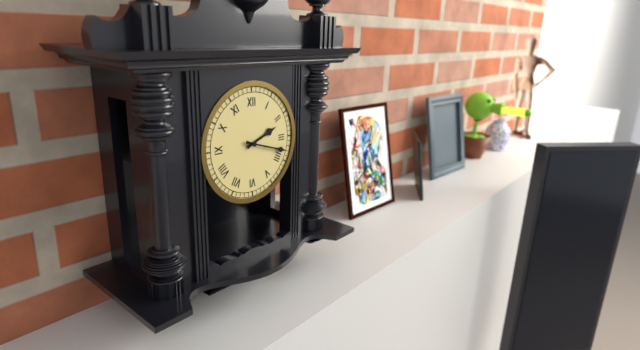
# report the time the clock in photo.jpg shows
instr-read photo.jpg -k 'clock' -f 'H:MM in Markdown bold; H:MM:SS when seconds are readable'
**2:18**
